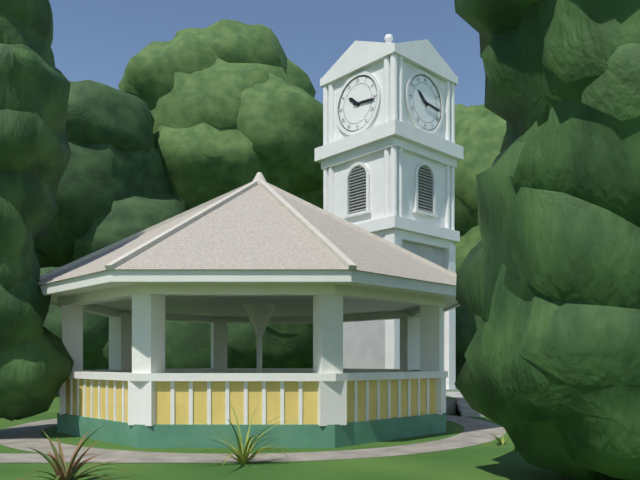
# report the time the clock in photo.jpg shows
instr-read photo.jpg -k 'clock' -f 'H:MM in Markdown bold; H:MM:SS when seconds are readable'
**10:16**
